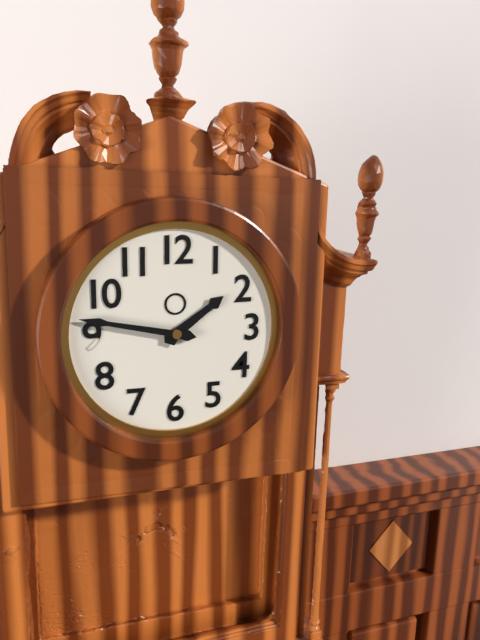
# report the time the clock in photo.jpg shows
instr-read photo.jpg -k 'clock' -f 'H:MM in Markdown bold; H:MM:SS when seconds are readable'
**1:47**
